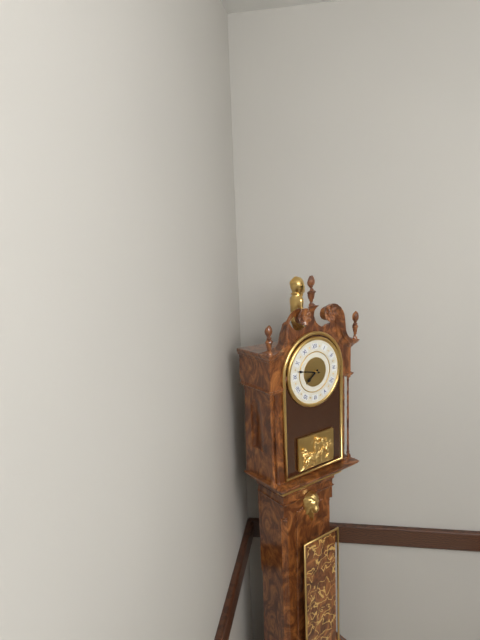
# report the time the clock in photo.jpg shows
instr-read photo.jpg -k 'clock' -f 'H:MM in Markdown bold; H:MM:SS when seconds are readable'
**7:47**
